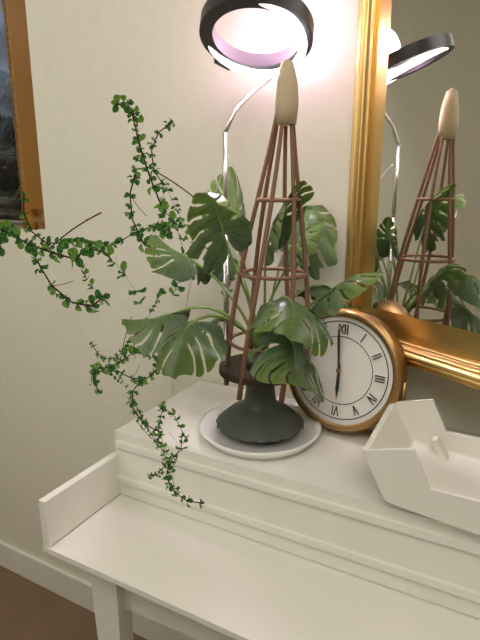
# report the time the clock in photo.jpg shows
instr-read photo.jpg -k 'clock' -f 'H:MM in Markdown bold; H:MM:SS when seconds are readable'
**5:59**
